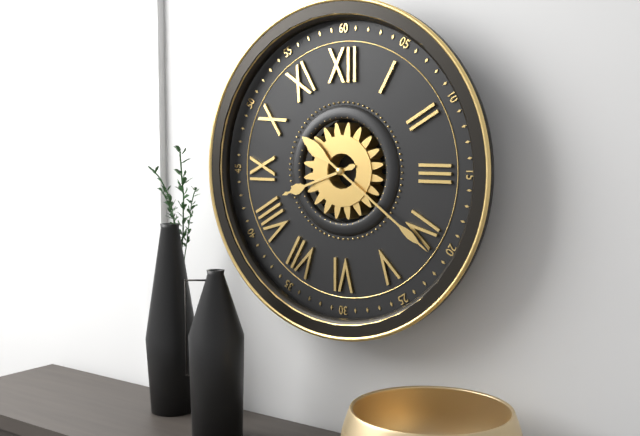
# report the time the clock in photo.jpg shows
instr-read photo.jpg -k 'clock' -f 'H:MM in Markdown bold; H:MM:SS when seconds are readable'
**8:21**
